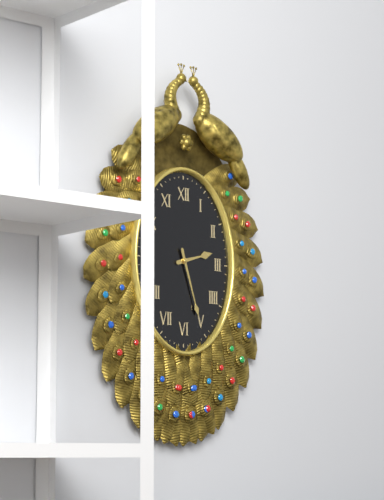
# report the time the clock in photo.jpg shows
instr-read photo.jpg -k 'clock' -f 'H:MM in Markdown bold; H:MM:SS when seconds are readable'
**2:27**
